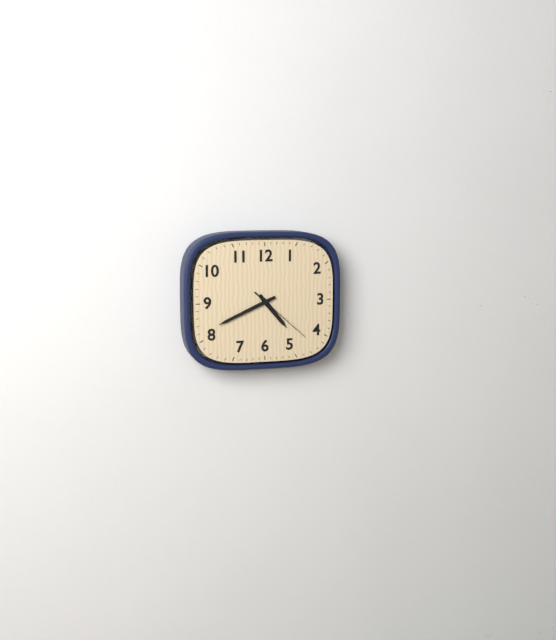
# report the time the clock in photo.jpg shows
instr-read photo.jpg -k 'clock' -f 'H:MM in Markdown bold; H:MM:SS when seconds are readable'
**4:41:22**
